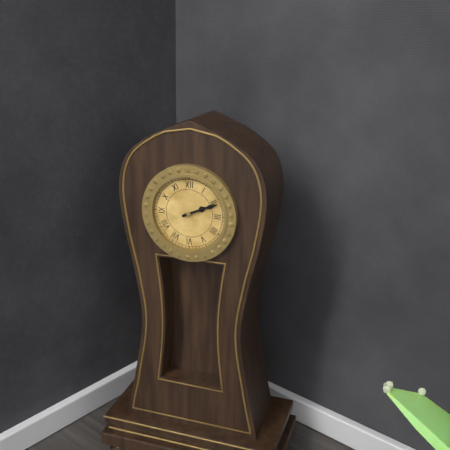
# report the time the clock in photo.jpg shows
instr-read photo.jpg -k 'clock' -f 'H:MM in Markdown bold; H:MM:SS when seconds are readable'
**2:11**
